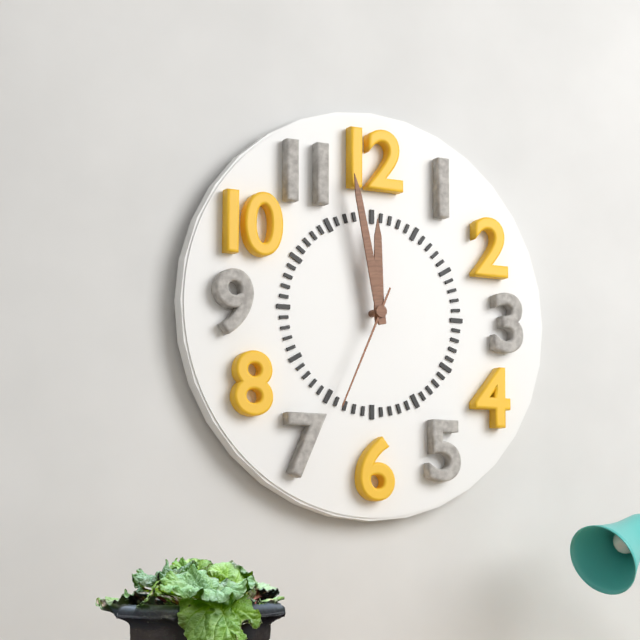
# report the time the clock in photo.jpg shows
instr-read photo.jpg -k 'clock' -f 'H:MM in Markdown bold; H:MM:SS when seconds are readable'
**11:58:34**
